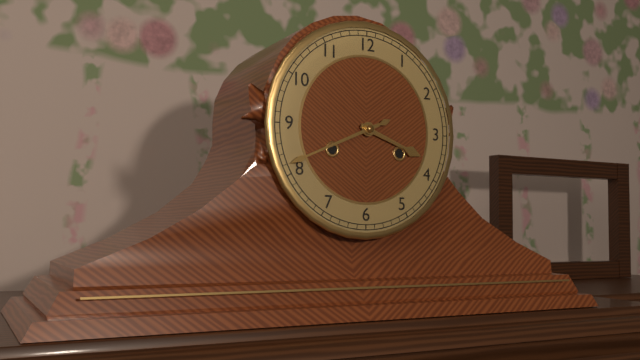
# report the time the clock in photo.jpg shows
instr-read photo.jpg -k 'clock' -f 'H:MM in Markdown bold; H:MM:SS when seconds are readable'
**3:41**
